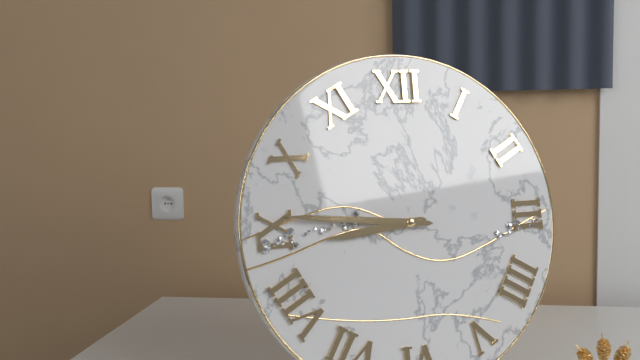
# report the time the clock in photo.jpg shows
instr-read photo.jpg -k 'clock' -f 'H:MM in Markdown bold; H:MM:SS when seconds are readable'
**8:46**
